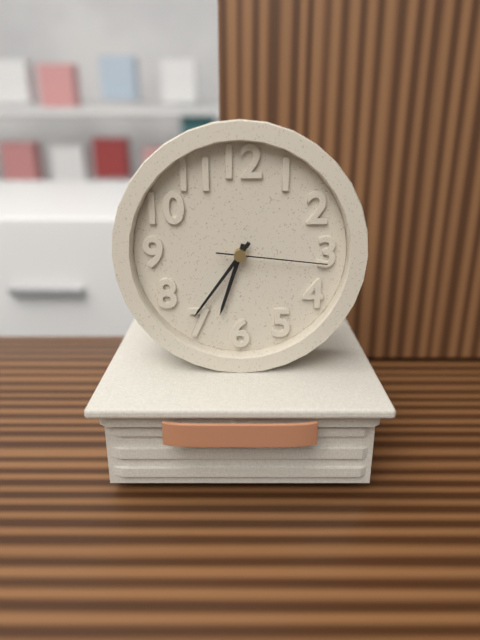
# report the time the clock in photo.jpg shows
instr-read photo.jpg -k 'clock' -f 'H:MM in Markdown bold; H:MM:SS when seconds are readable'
**6:36:16**
